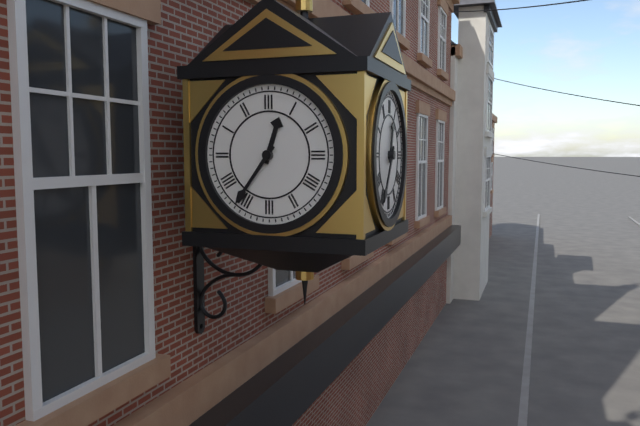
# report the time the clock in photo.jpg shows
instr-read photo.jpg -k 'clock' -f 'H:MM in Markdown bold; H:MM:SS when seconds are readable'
**12:36**
